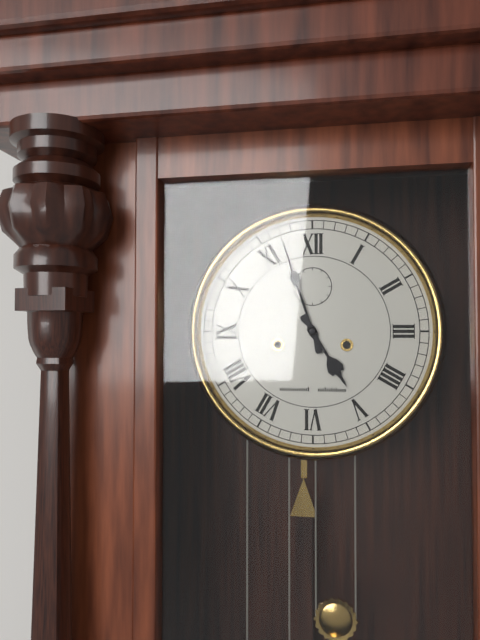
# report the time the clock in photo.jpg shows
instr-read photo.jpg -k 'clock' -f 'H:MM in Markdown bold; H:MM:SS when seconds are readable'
**4:57**
